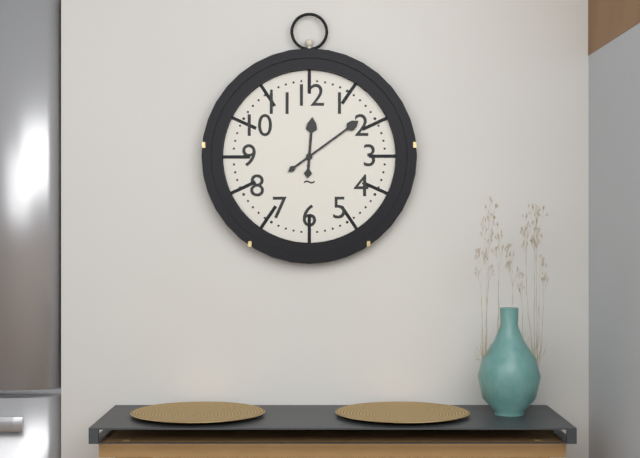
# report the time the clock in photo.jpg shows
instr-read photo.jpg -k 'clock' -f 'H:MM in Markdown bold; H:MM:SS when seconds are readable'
**12:09**
